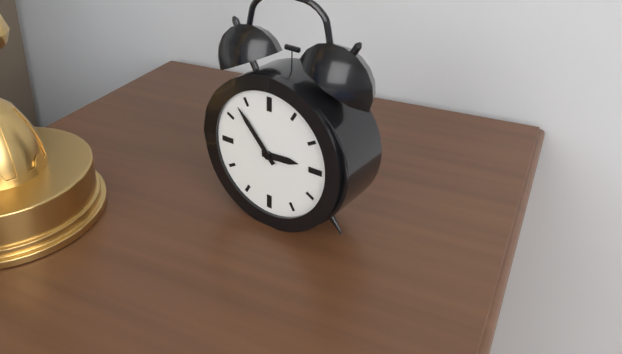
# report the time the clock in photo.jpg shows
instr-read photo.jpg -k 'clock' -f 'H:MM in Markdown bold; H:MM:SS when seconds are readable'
**2:53**
